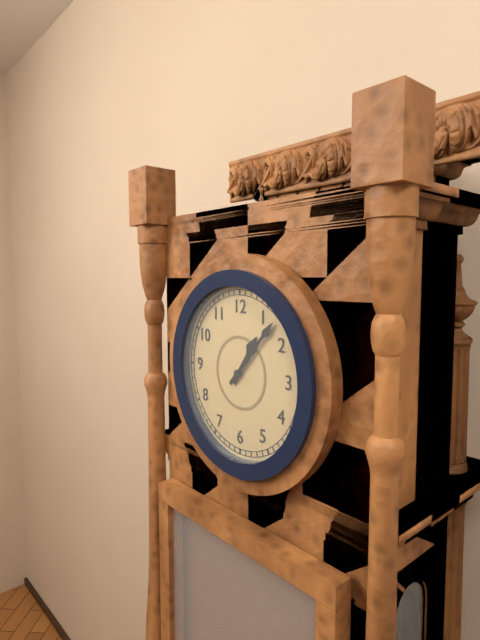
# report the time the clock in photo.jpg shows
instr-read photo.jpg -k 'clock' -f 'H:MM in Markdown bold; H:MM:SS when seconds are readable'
**1:07**
